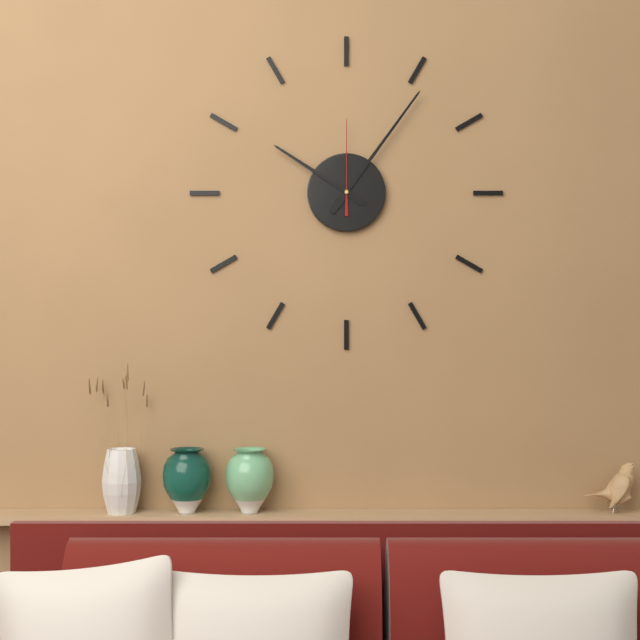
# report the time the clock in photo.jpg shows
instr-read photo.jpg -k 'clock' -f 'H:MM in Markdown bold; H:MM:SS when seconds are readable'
**10:06:00**
